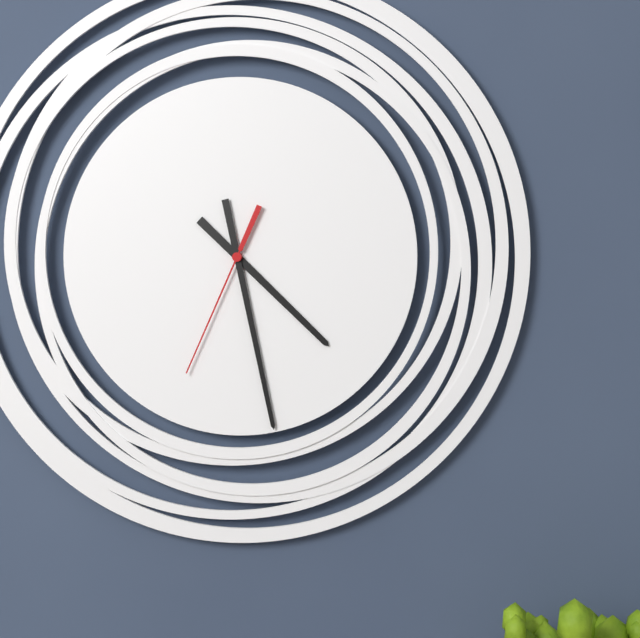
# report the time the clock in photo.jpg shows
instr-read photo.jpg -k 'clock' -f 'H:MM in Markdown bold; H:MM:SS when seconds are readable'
**4:28:34**
